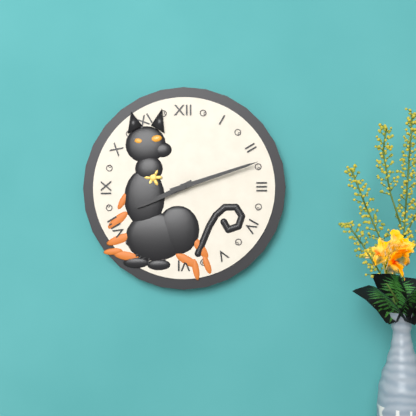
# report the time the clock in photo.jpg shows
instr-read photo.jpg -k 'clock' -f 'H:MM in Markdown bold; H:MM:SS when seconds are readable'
**8:12**
